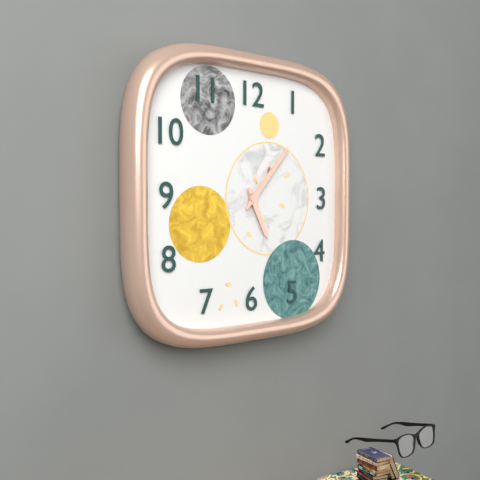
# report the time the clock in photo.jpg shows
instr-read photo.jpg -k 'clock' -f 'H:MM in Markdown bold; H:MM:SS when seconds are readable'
**5:07**
